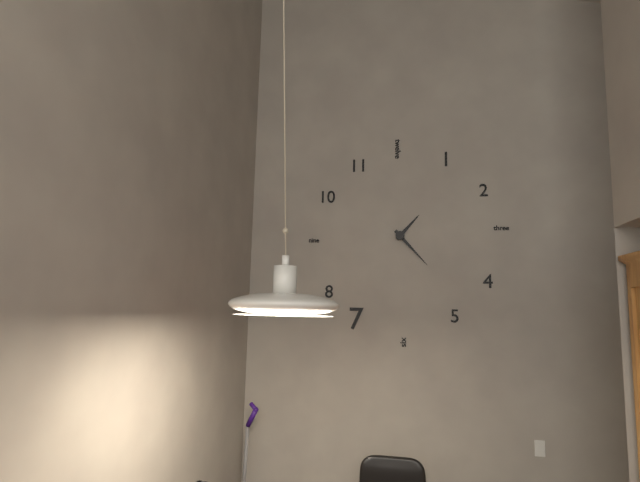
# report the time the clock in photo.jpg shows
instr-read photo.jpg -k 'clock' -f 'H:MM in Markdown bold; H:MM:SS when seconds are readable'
**1:23**
